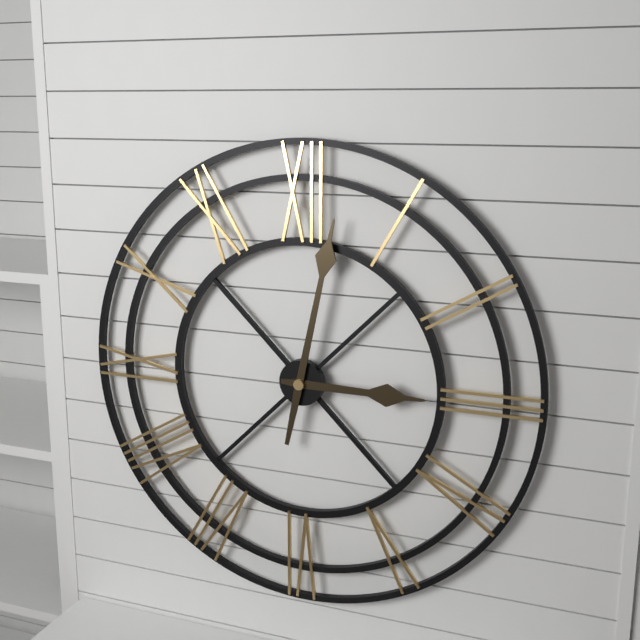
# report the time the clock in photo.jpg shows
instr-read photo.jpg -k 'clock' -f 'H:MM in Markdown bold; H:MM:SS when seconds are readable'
**3:02**
